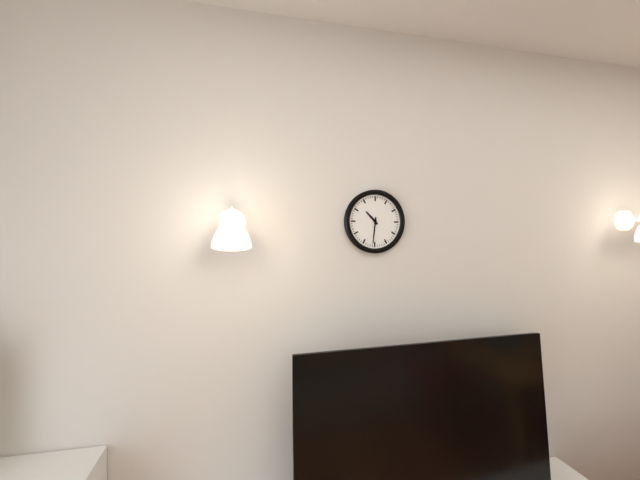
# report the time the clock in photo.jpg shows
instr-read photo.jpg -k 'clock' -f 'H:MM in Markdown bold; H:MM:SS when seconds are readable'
**10:31**
